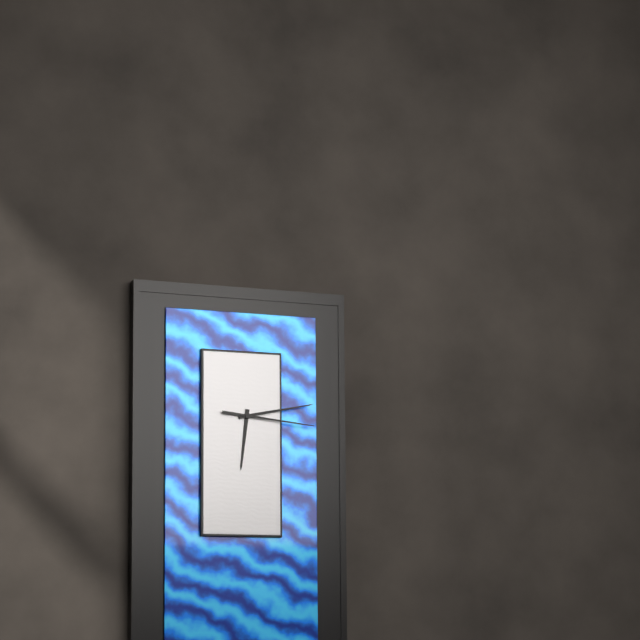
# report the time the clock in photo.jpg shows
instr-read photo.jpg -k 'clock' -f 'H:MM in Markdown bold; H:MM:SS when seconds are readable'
**6:13:16**
